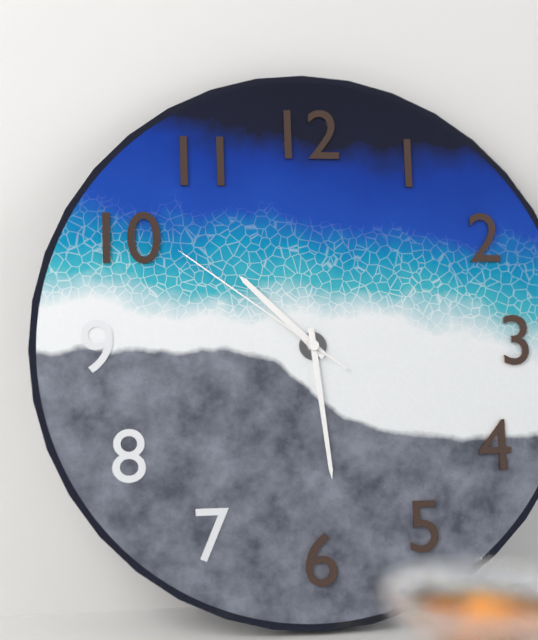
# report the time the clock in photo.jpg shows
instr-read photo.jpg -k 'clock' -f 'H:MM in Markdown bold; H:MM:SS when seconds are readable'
**10:29:51**
